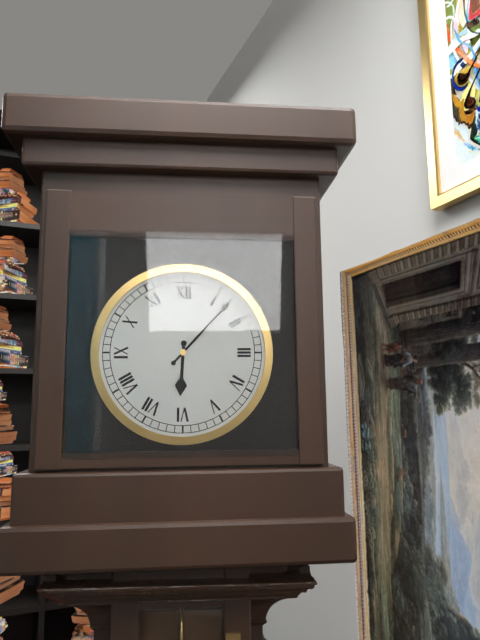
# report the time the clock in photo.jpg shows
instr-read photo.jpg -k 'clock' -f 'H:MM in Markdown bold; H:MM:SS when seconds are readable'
**6:07**
